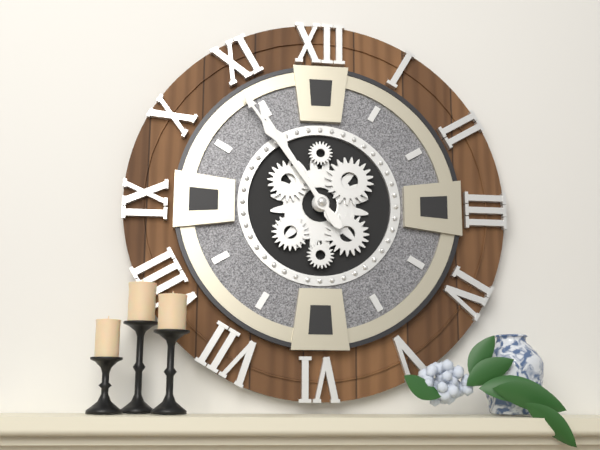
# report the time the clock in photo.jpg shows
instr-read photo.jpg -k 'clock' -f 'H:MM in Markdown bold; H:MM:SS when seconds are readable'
**10:54**
